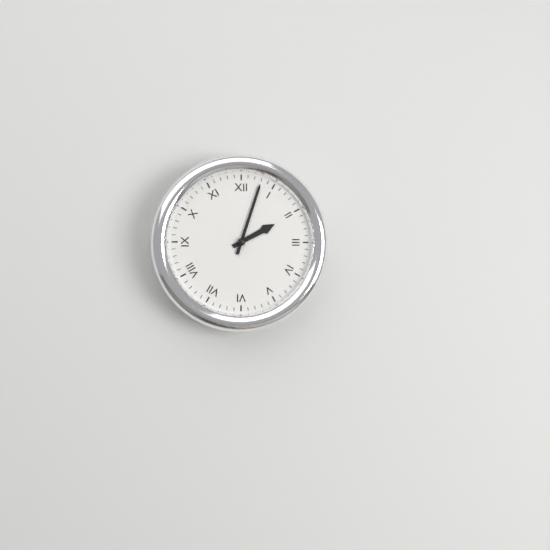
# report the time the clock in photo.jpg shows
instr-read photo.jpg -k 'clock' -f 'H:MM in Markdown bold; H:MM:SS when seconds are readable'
**2:03**
